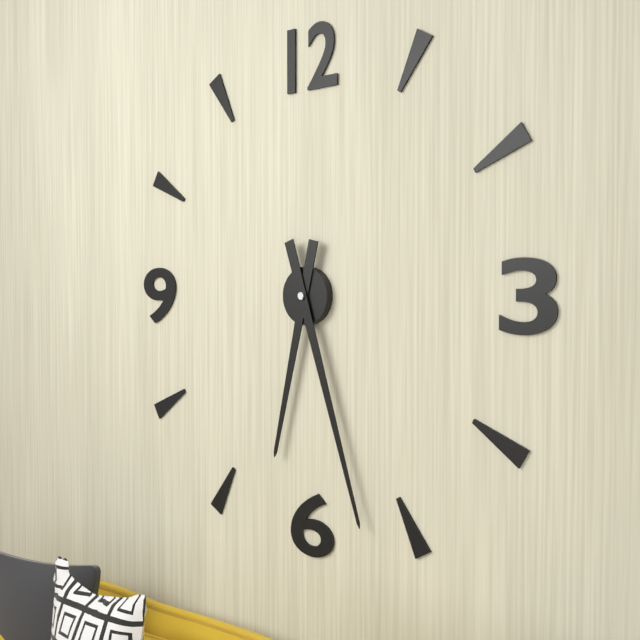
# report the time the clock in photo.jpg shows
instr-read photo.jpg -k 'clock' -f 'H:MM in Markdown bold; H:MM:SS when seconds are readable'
**6:27**
